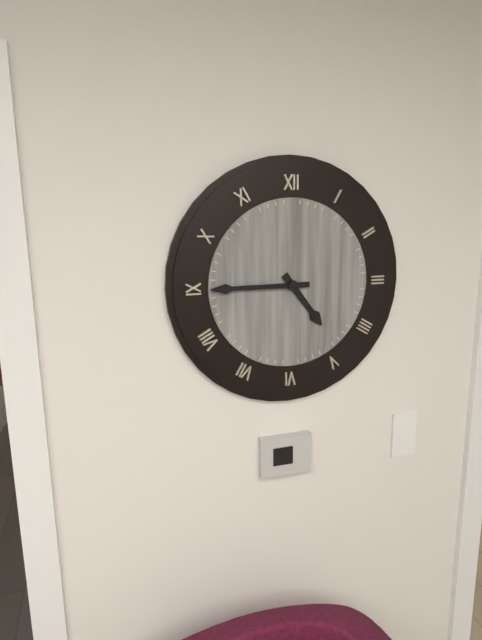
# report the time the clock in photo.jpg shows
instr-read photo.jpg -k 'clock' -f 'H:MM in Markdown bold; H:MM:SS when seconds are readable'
**4:45**
